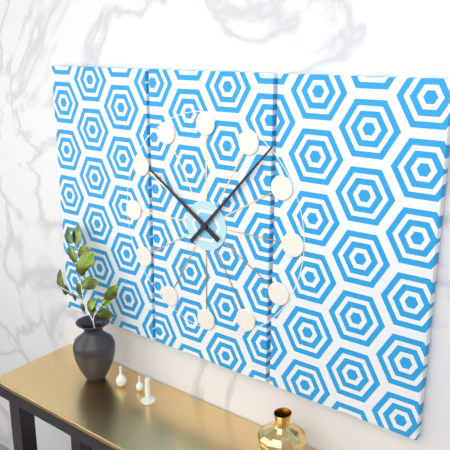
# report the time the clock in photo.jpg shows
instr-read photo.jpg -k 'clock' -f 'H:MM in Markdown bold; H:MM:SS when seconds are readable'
**10:07**
